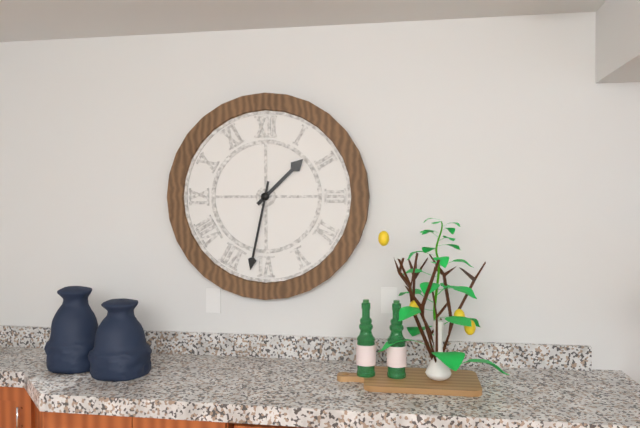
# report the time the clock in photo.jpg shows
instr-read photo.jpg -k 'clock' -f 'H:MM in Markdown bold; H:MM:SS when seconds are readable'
**1:32**
